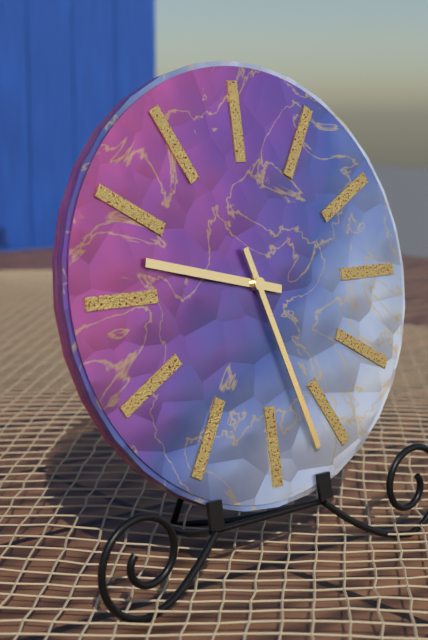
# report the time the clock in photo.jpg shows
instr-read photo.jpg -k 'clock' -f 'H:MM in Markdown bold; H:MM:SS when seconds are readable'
**9:27**
